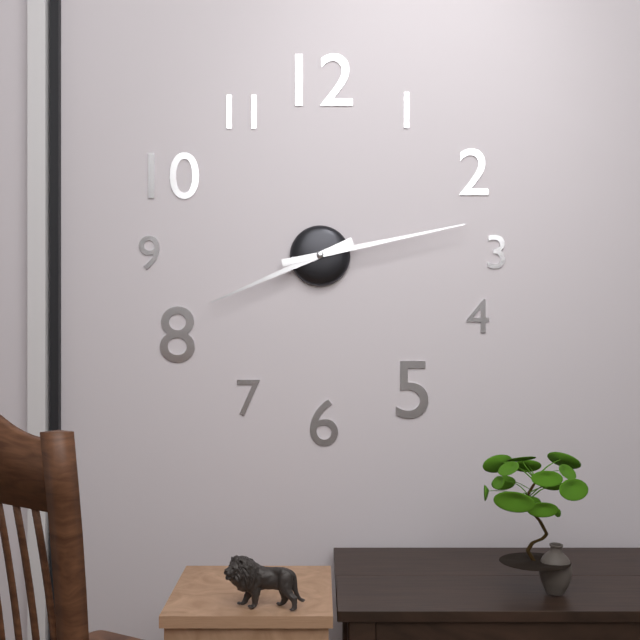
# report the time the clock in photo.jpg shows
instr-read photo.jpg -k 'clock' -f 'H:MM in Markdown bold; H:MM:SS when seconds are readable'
**8:13**
